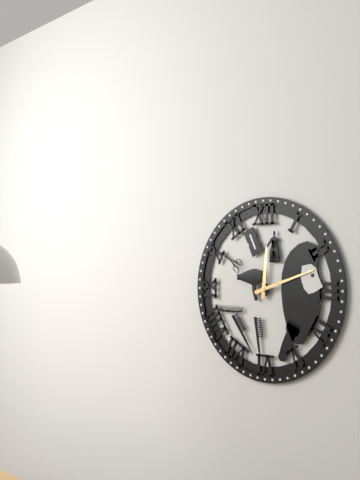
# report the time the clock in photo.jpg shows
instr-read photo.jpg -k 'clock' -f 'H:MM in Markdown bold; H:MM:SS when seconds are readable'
**12:12**
